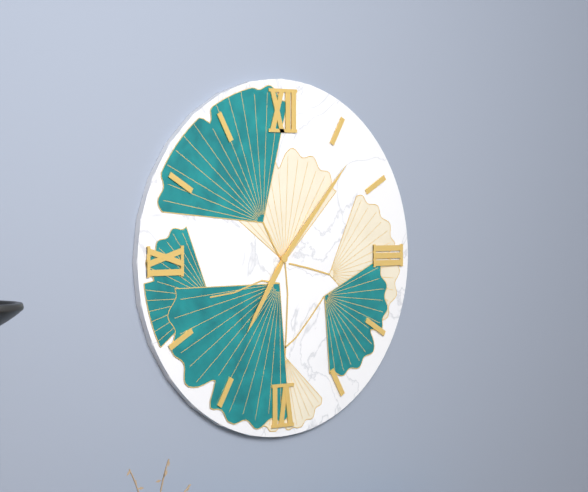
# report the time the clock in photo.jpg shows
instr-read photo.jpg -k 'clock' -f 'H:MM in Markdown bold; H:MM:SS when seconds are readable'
**7:07**
